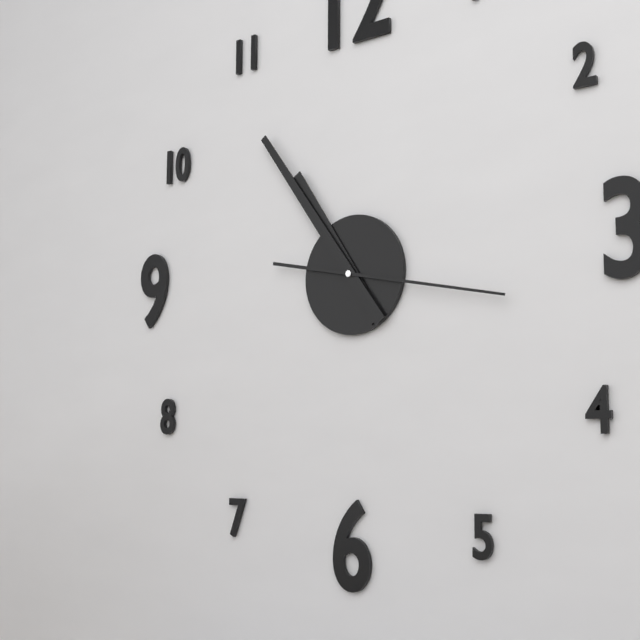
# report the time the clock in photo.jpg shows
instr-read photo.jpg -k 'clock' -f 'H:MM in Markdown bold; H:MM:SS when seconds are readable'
**10:54:17**
